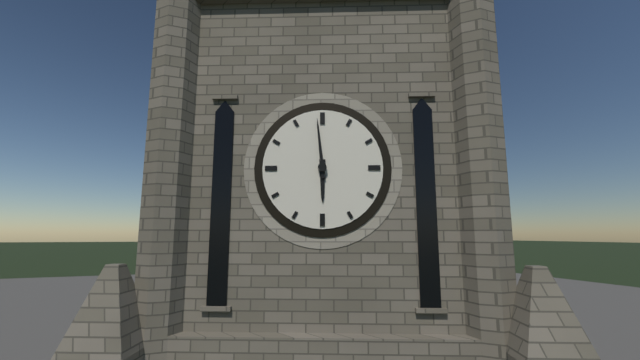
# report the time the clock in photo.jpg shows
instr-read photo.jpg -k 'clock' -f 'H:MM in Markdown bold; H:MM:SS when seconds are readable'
**5:59**
